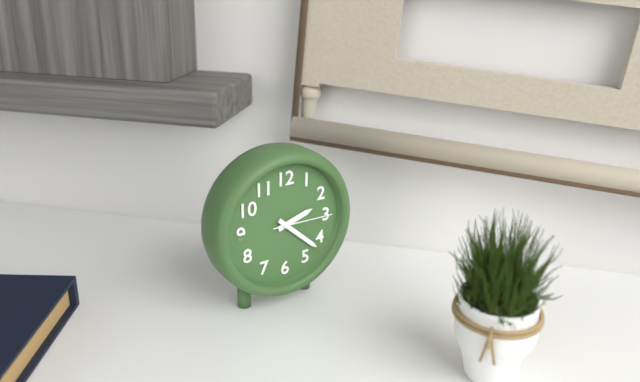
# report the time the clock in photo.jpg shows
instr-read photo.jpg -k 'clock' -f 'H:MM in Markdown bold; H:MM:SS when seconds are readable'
**2:22:15**
